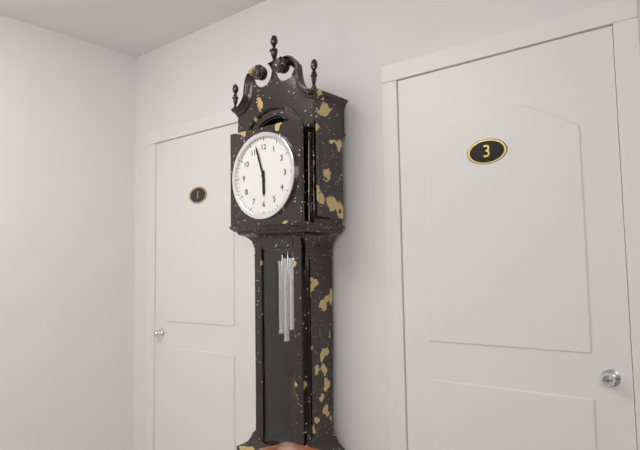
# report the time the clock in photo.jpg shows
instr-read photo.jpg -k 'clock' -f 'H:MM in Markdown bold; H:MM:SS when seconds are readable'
**5:57**
